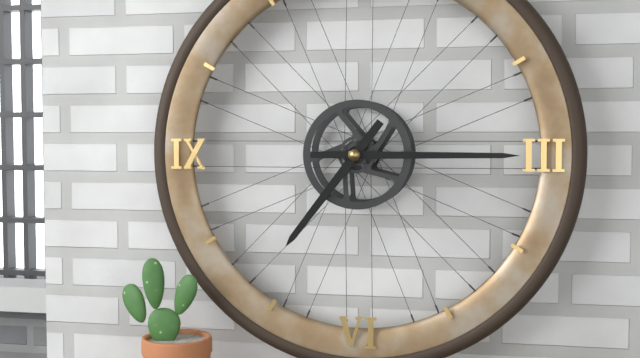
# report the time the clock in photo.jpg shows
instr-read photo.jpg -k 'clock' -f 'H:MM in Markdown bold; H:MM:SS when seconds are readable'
**7:15**
